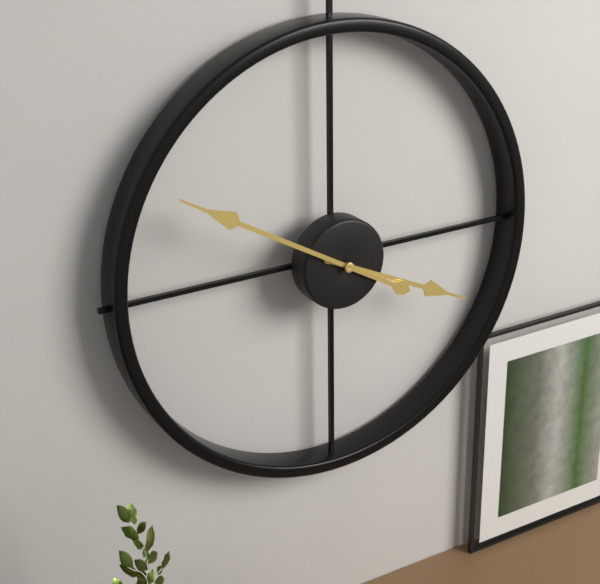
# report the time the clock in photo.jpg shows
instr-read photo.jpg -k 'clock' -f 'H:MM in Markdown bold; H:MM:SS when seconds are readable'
**3:50**
